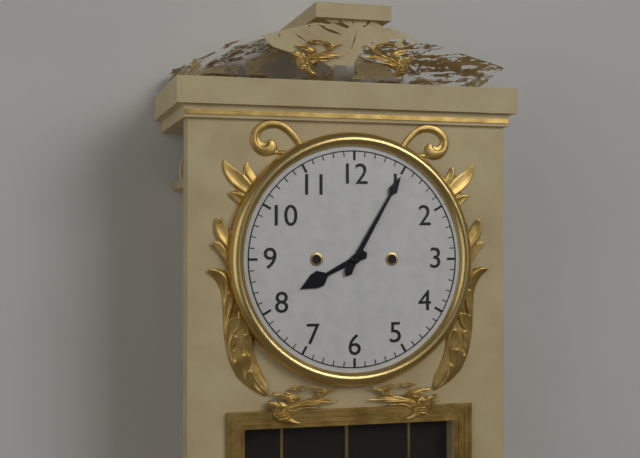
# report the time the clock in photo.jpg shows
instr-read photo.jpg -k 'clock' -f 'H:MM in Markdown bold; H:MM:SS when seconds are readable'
**8:05**
